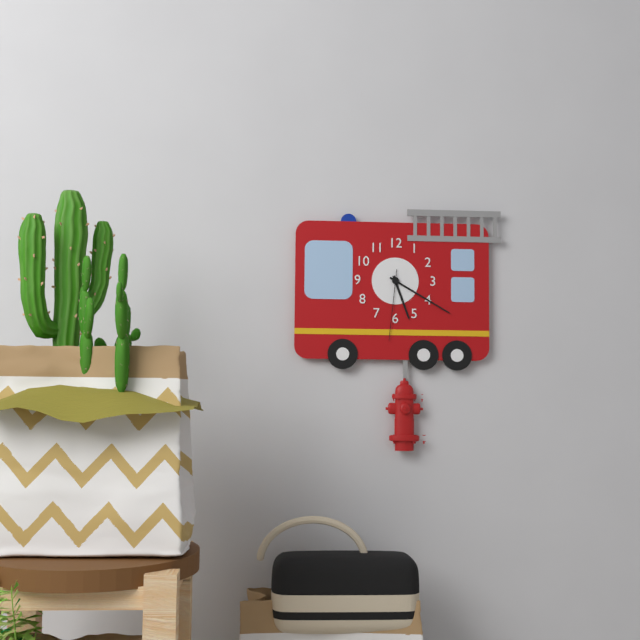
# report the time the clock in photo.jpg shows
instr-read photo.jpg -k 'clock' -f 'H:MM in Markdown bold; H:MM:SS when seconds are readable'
**5:20:31**
